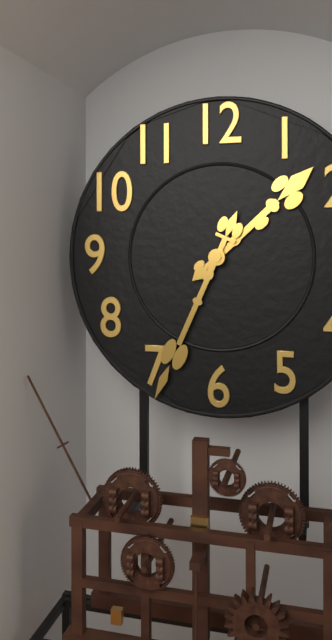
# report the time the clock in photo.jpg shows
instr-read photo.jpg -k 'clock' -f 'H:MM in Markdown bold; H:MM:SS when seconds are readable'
**1:34**
